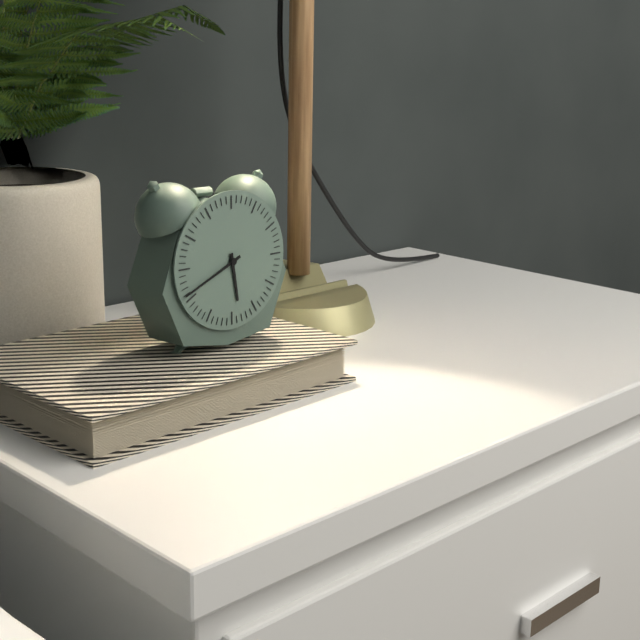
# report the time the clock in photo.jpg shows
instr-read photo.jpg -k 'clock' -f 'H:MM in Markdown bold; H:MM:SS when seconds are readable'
**5:41**
